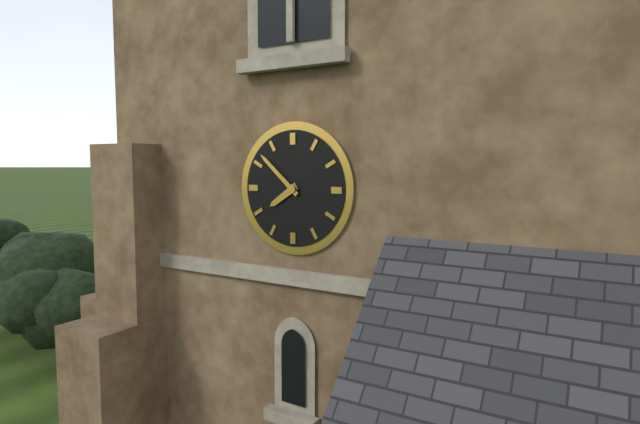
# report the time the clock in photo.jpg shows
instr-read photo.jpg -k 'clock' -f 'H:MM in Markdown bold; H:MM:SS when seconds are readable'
**7:52**
